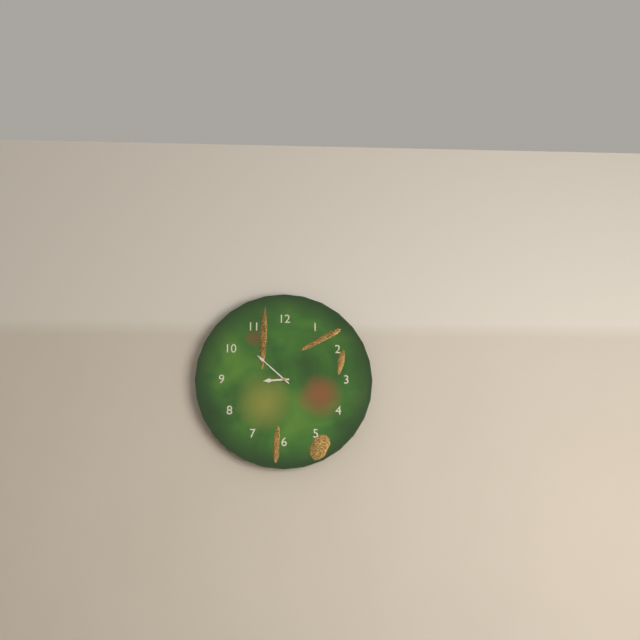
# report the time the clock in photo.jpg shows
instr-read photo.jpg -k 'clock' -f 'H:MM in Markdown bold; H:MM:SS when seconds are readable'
**8:52**
